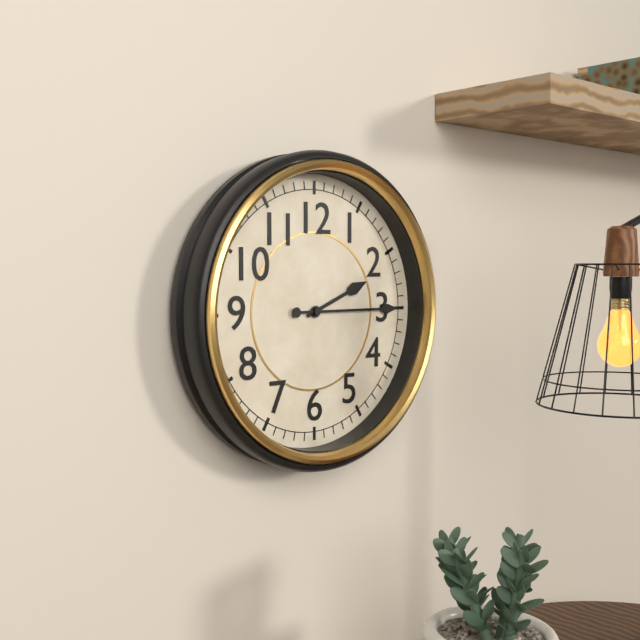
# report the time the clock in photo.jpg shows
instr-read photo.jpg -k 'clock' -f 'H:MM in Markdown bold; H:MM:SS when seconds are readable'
**2:15**
